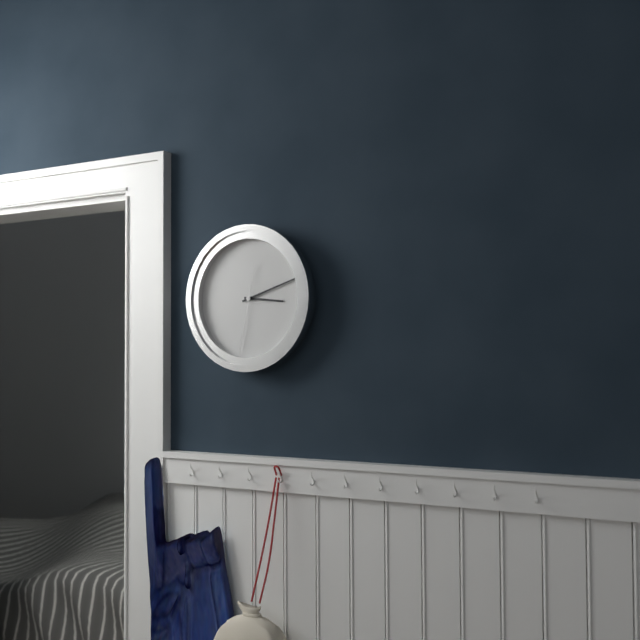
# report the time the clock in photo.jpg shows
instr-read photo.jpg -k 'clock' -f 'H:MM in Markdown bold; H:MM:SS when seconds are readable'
**3:12:32**
